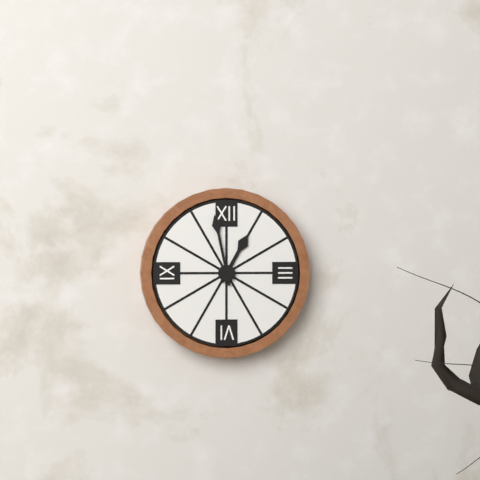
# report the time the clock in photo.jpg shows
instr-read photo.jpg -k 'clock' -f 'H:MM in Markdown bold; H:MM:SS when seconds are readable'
**12:58**
